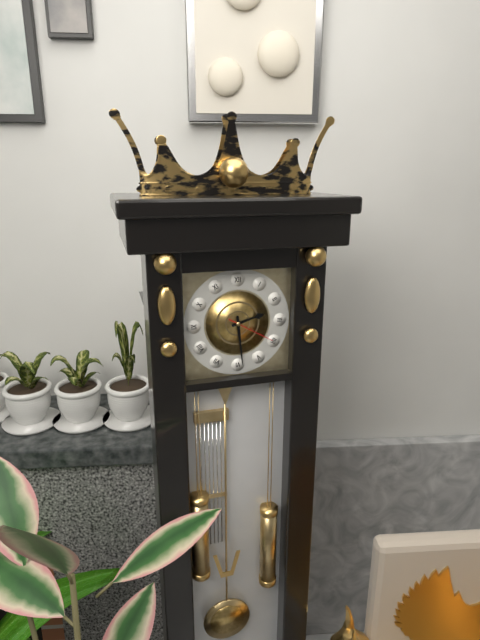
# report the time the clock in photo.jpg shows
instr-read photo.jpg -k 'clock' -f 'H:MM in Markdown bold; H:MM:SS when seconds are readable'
**2:29**
